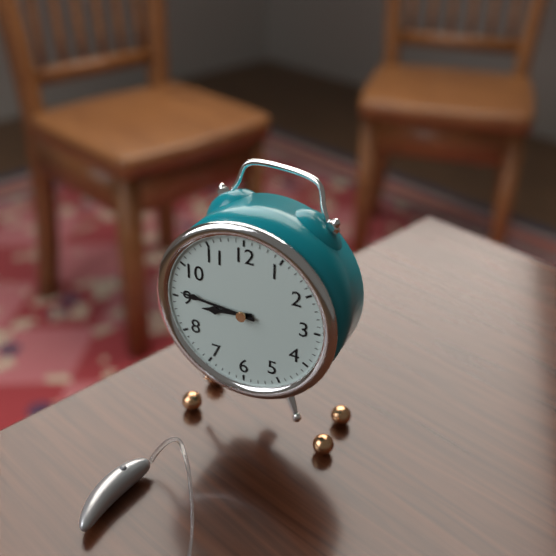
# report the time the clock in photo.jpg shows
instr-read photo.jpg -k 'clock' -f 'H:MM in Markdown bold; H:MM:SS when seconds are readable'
**8:46**
